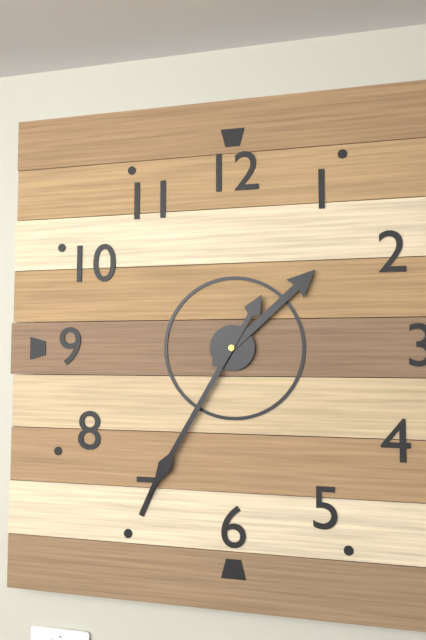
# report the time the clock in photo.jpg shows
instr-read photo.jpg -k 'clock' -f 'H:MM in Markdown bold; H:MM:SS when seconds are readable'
**1:35**
